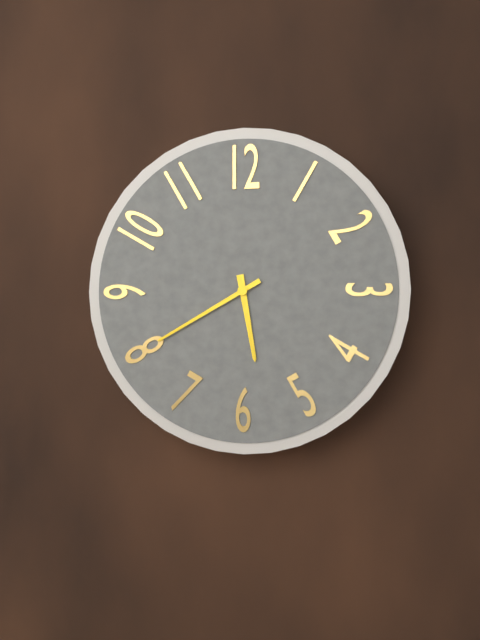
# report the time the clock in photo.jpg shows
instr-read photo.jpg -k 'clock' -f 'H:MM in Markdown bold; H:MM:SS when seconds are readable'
**5:40**
